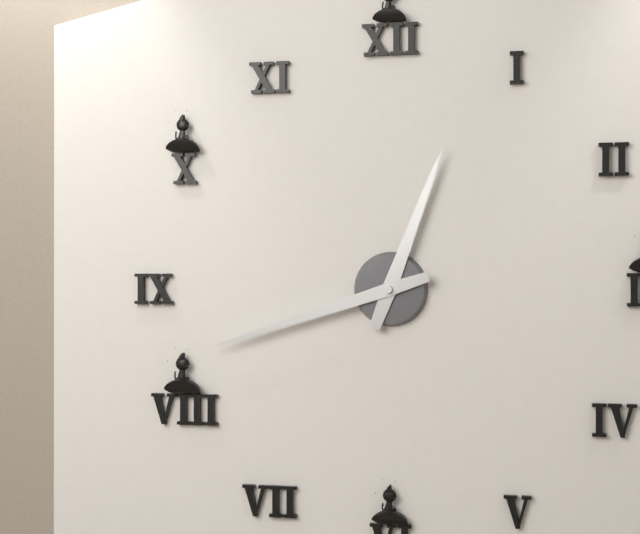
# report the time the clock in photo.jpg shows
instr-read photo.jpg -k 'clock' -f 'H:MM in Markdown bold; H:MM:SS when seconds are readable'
**12:42**
